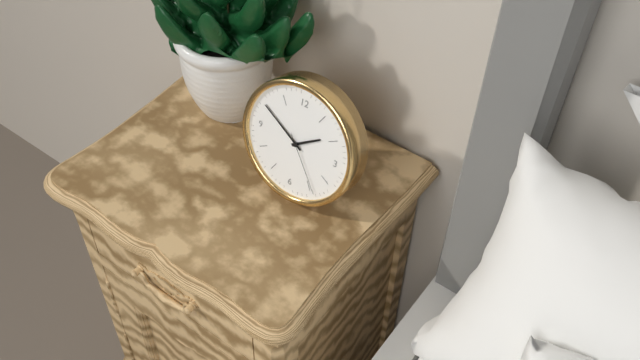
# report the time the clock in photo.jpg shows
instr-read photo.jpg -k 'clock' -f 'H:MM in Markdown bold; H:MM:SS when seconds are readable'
**1:50:24**
